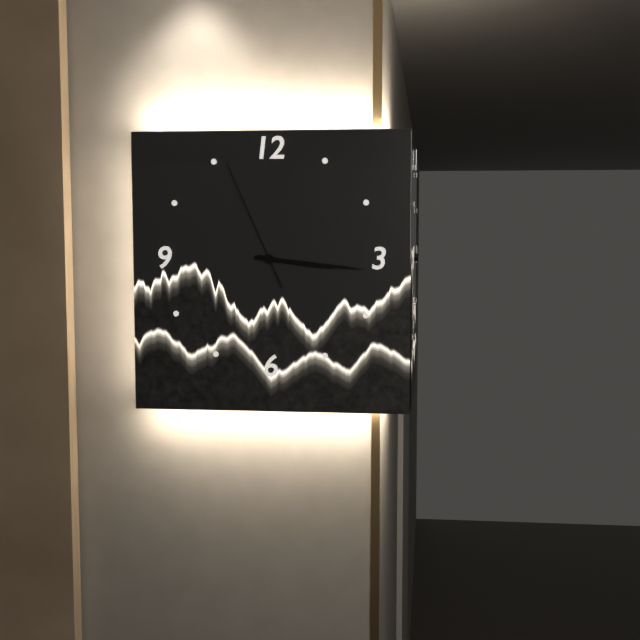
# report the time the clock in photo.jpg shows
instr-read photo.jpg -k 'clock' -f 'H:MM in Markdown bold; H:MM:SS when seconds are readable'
**3:16:56**
